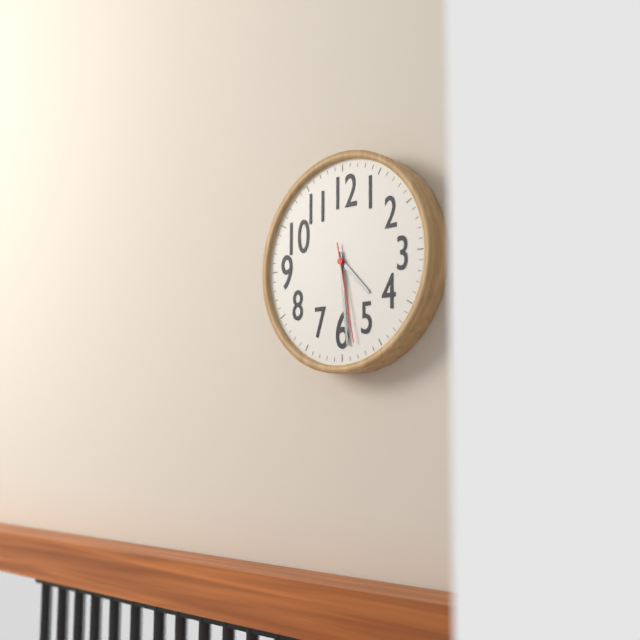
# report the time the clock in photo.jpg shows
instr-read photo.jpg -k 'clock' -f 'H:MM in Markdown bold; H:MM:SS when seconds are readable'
**4:29:28**
